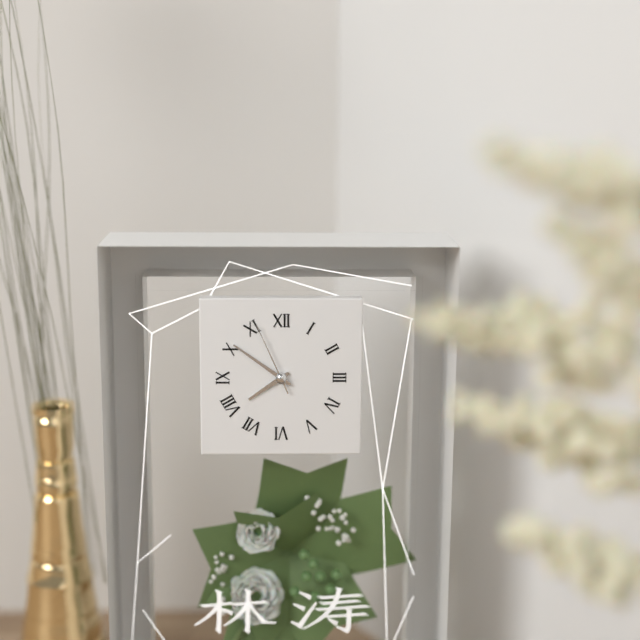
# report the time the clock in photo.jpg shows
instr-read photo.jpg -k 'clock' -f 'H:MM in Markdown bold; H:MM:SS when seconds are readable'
**7:51:56**
